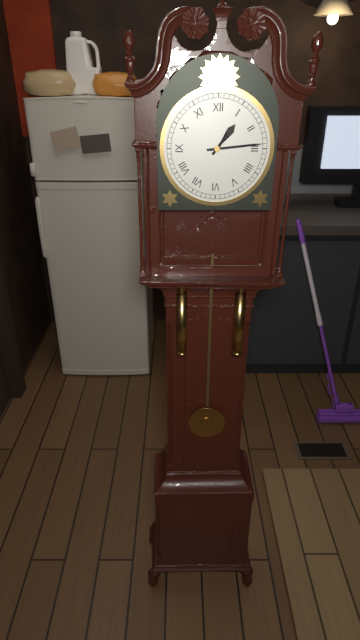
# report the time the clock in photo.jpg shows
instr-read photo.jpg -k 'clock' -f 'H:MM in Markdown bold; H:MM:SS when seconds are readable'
**1:14**
